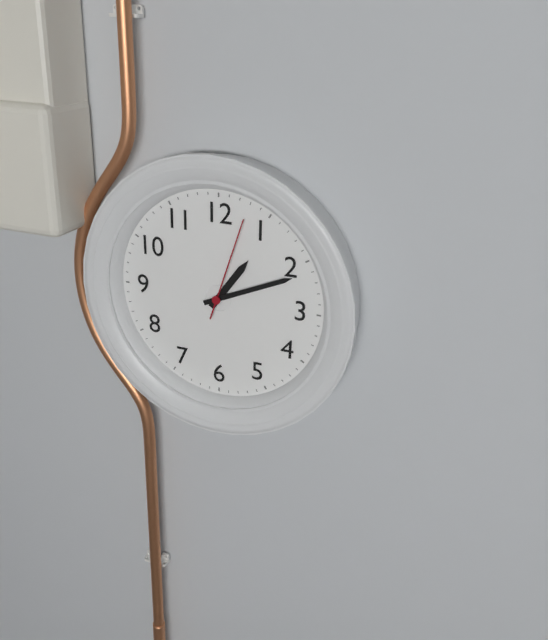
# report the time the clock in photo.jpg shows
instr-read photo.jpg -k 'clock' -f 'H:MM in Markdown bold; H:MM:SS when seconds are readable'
**1:11:03**
